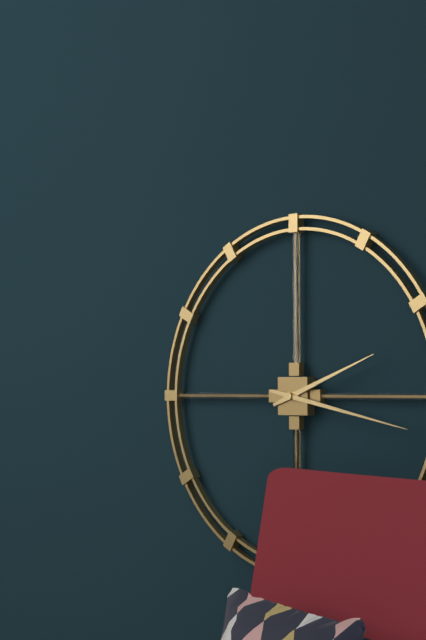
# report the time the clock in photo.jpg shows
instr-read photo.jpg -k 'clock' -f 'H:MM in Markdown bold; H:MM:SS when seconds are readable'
**2:17**
